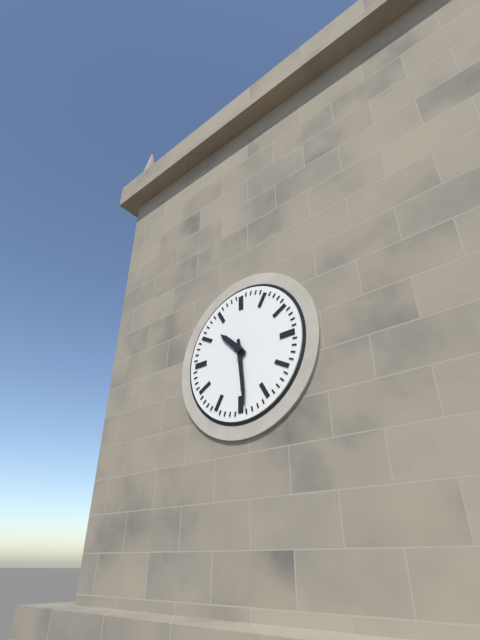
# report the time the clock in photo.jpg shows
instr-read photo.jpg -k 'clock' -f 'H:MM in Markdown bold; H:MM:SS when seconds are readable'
**10:29**
